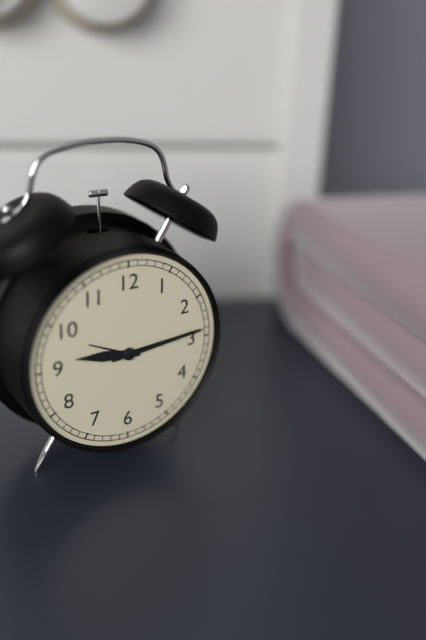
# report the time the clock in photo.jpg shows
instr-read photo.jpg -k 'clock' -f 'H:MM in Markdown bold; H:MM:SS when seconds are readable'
**9:14**
